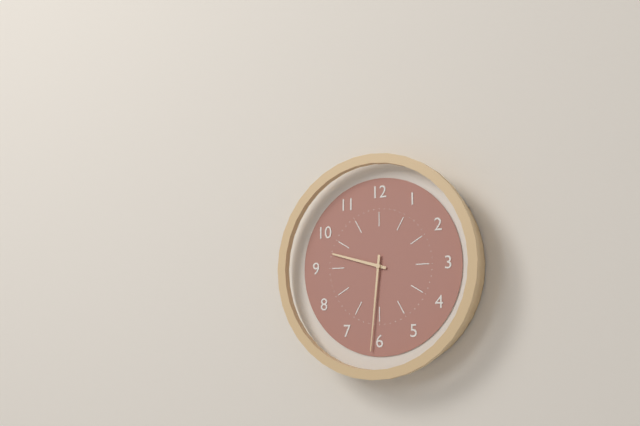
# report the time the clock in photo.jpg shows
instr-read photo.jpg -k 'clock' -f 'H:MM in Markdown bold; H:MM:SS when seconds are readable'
**9:31**
